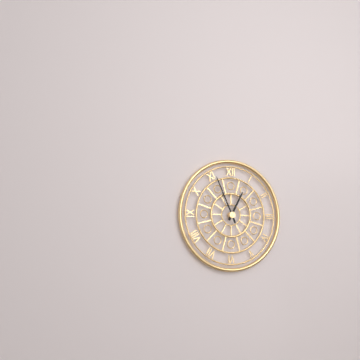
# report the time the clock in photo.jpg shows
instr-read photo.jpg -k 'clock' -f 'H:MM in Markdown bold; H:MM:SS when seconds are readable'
**12:56**
